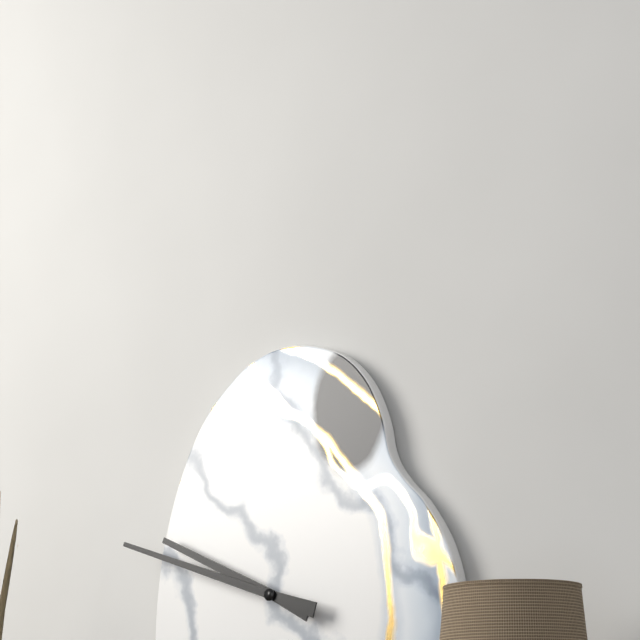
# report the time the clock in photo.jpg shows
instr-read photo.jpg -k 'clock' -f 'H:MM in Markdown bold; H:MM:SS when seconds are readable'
**9:48**
